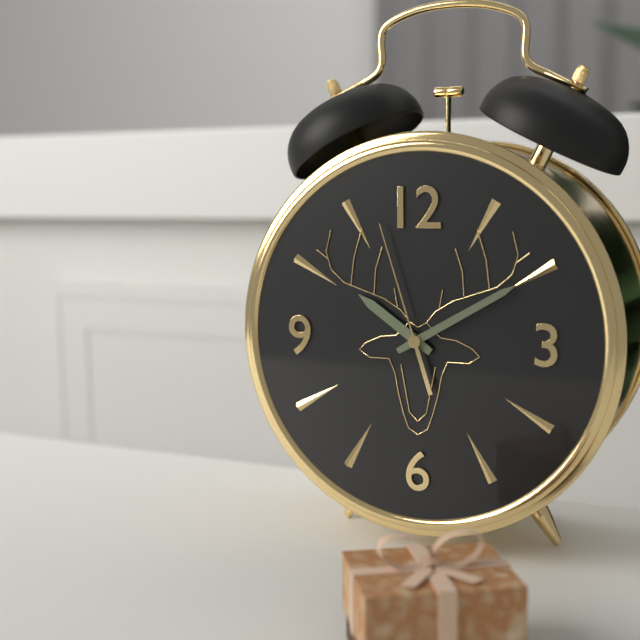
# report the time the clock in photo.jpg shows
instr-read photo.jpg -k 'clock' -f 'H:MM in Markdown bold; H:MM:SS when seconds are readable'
**10:10:57**
